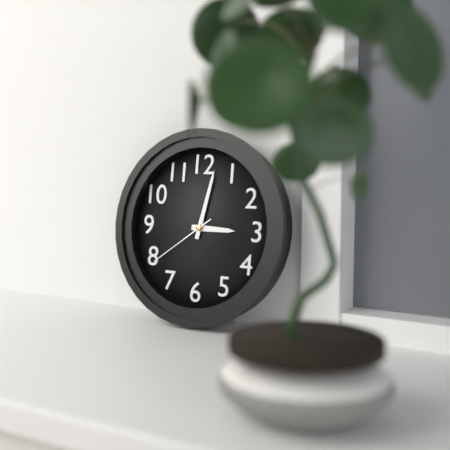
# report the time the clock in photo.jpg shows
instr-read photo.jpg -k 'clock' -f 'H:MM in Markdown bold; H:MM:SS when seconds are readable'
**3:02:39**
